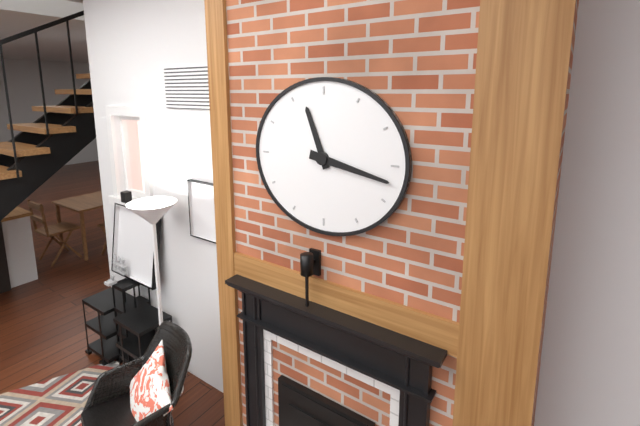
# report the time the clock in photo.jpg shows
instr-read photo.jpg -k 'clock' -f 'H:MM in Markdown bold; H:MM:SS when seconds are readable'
**11:17**
